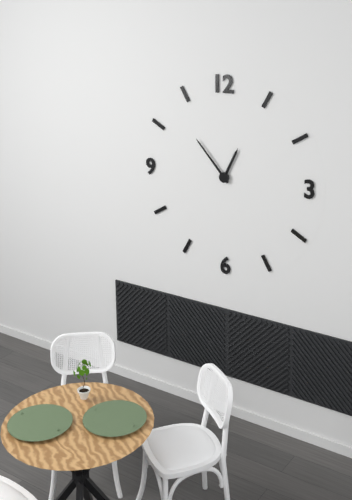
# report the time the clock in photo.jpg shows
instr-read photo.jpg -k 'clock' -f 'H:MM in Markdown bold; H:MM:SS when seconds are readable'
**12:53**
